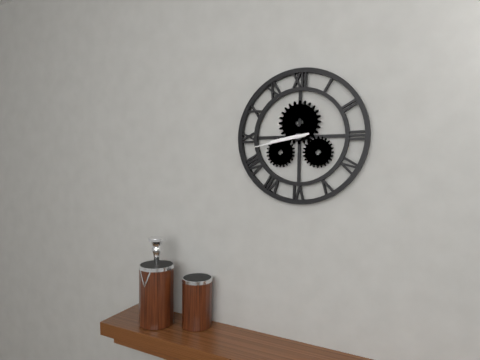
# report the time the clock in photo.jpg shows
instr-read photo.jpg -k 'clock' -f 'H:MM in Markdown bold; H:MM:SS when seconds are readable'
**8:43**
